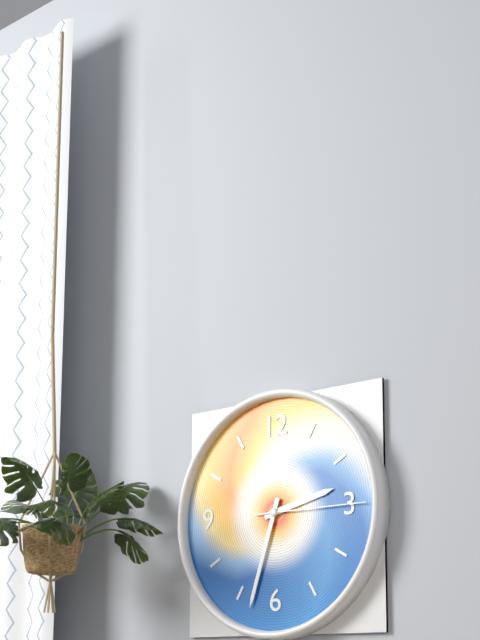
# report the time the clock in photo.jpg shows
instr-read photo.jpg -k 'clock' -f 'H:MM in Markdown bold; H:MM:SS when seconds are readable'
**2:33:15**
